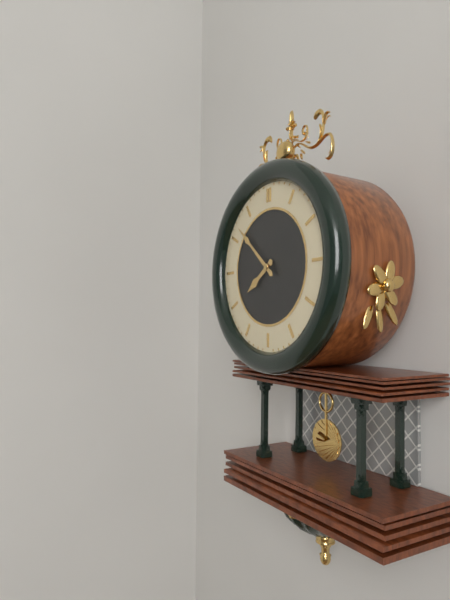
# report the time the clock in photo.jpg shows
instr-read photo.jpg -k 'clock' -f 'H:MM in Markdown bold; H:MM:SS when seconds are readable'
**7:52**
